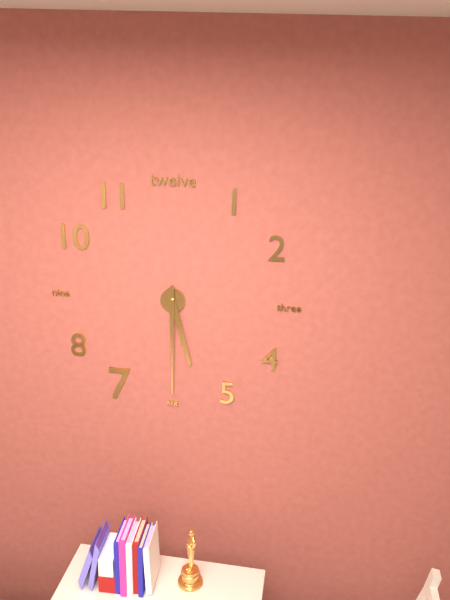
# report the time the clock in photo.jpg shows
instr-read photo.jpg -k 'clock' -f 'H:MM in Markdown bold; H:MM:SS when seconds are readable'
**5:30**
